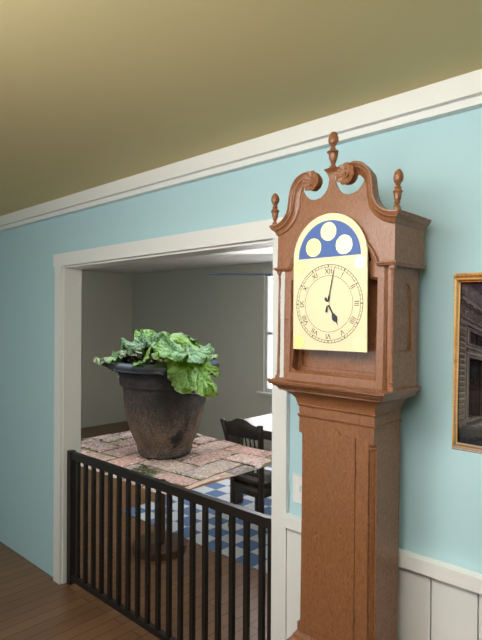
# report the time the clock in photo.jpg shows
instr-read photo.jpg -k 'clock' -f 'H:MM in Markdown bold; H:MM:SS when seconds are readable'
**5:02**
